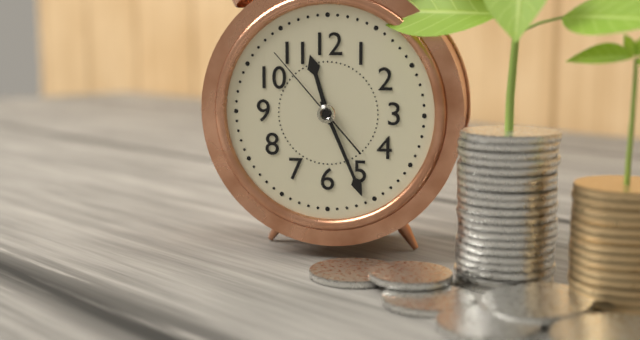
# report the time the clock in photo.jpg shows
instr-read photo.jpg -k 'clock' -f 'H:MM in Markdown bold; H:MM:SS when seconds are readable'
**11:26:53**
